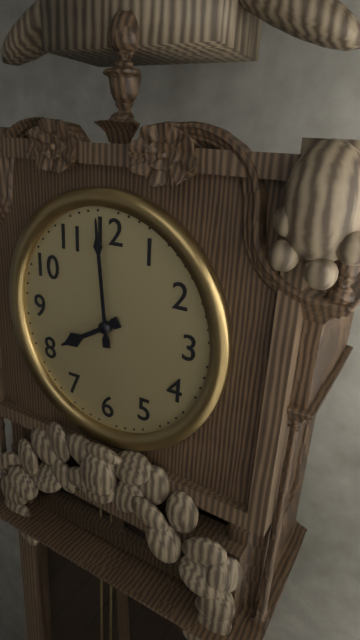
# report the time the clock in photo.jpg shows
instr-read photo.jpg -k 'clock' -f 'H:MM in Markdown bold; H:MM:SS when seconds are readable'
**7:59**
